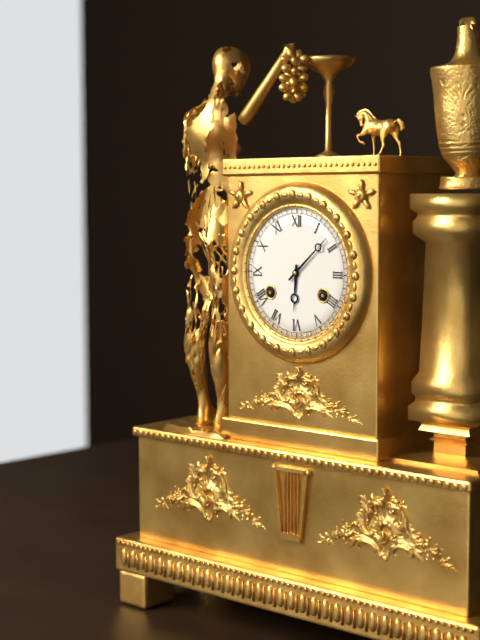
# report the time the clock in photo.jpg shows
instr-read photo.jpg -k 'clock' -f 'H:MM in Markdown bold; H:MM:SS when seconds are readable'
**6:08**
